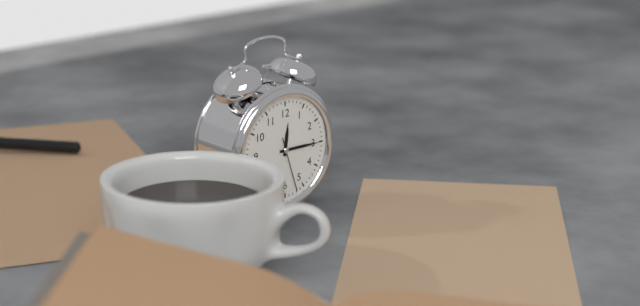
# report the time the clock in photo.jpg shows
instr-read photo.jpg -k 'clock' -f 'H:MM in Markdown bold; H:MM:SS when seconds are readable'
**12:15:27**
